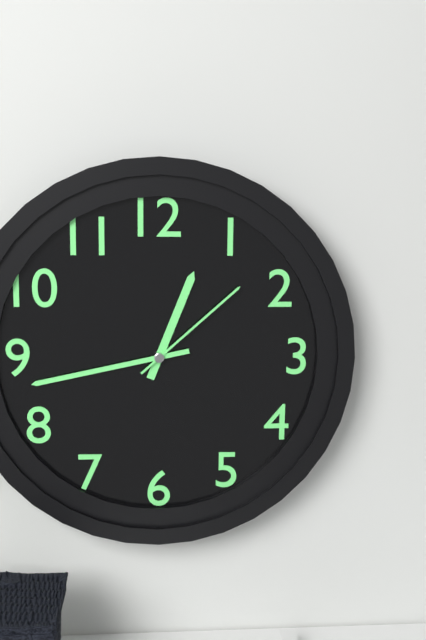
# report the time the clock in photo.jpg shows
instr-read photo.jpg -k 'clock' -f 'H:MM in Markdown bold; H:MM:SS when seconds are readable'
**12:43:08**
